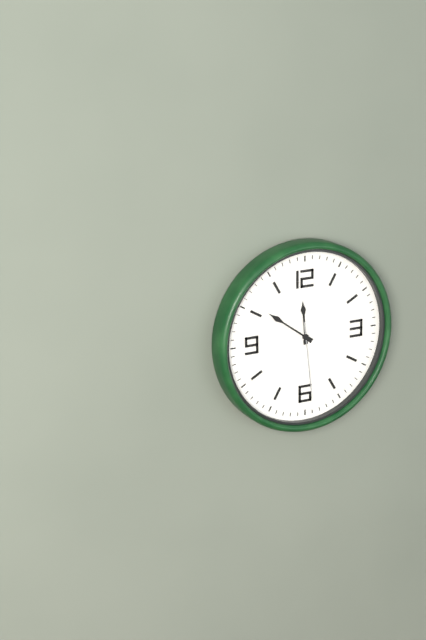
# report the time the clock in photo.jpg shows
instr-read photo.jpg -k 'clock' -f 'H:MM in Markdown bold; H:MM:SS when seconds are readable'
**11:51:29**
